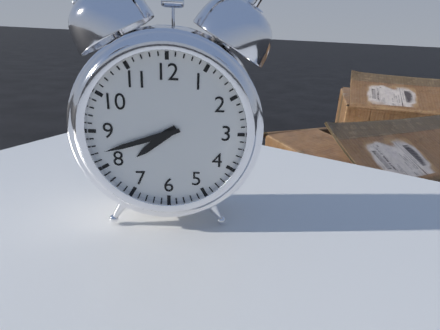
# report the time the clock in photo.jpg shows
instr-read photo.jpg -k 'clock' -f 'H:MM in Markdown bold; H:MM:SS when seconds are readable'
**7:42**
